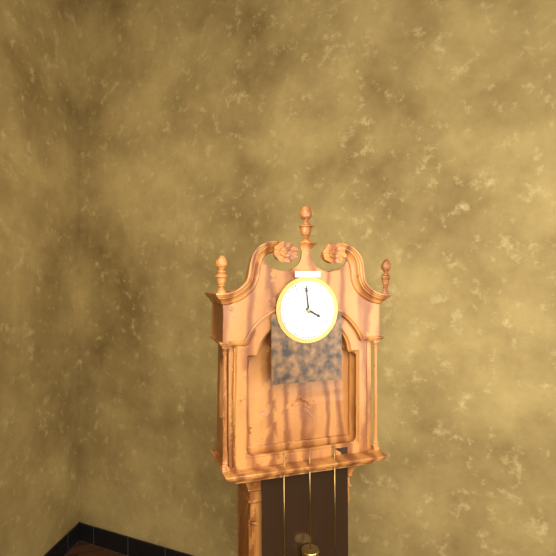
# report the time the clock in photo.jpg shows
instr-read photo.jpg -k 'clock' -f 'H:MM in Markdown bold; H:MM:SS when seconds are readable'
**3:59**
